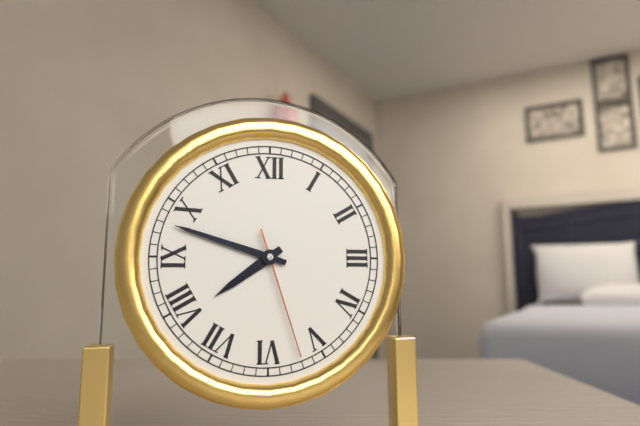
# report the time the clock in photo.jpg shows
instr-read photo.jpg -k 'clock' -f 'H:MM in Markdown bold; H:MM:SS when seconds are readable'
**7:48:27**
